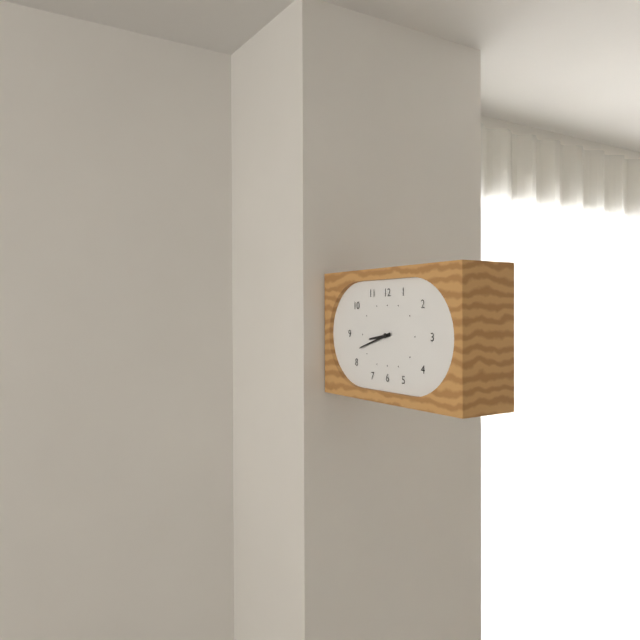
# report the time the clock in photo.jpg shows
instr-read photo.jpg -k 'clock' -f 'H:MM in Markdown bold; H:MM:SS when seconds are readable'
**8:42**
